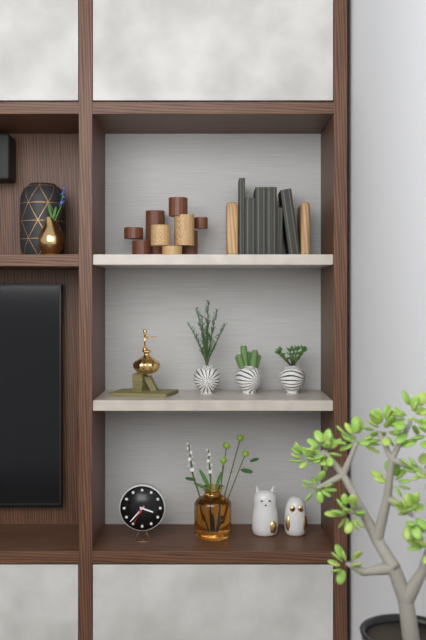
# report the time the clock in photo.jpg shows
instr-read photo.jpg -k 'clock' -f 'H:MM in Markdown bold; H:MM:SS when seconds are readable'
**3:37**
